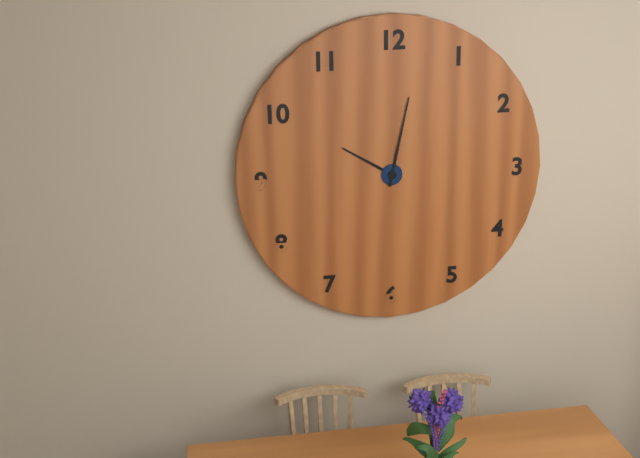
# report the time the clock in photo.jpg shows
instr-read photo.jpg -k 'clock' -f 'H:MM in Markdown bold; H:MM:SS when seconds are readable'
**10:02**
